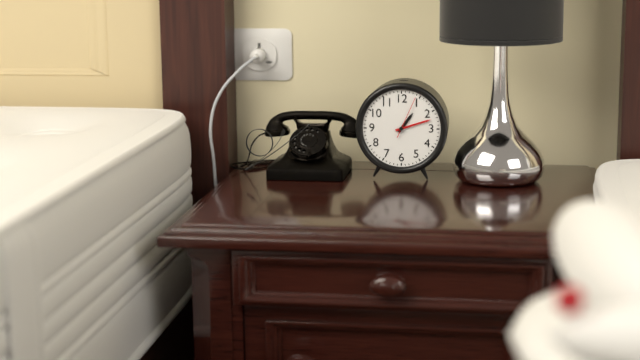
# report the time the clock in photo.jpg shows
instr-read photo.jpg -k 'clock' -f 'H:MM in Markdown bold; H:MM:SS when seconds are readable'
**1:12**
